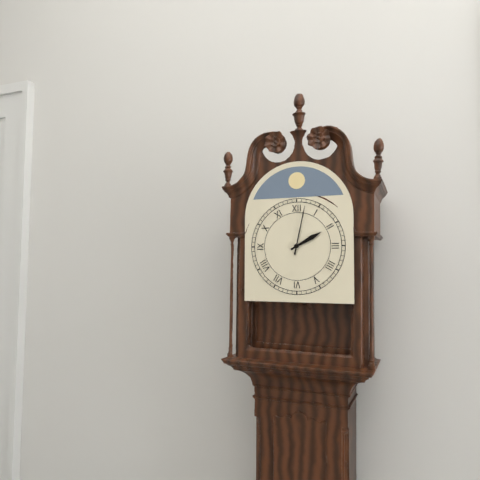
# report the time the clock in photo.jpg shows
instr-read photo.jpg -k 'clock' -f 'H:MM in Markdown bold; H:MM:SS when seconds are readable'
**2:02**
